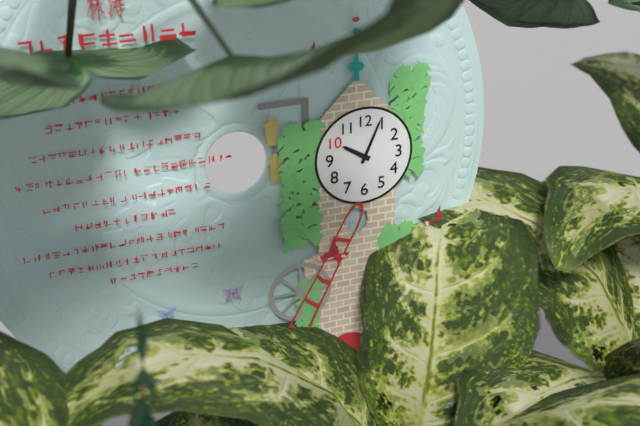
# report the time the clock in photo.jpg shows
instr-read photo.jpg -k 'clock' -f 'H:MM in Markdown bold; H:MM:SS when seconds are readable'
**10:04**
